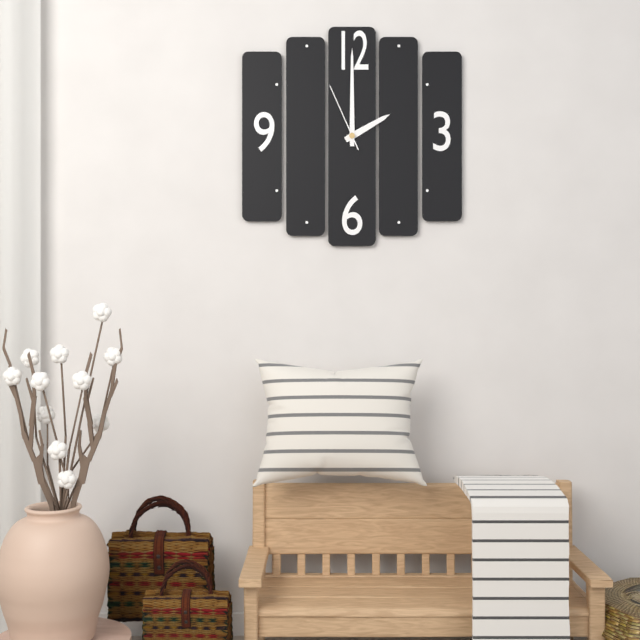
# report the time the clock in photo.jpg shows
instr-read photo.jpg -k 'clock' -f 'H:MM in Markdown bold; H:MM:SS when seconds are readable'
**2:00:56**
